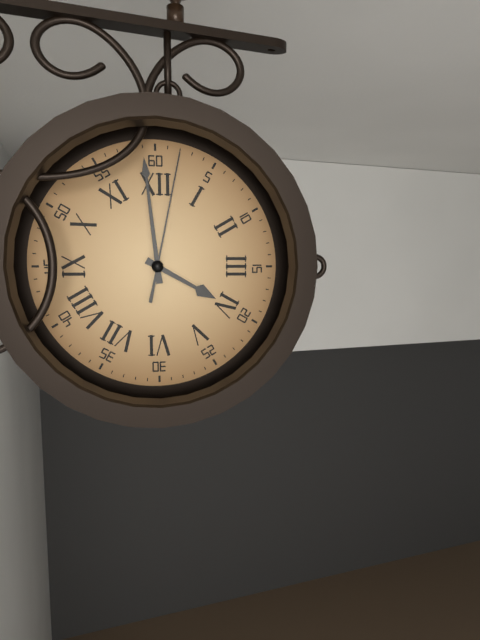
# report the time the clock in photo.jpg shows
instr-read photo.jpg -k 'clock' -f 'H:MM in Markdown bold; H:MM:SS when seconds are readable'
**3:59:02**
